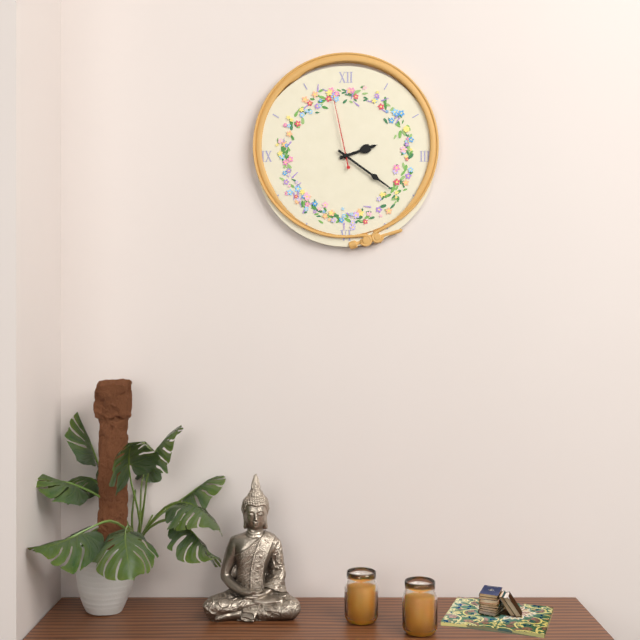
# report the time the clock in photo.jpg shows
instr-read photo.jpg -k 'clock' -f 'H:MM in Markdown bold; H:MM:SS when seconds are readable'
**2:21:58**
